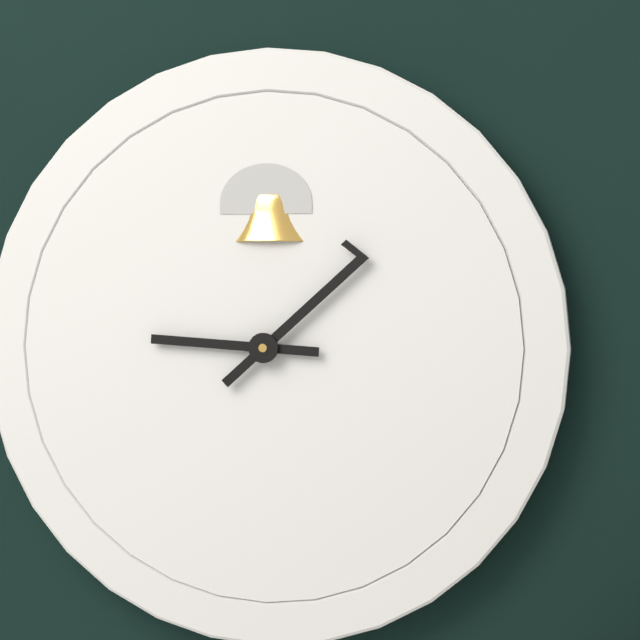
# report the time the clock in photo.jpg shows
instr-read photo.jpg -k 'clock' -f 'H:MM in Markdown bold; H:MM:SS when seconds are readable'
**9:08**
